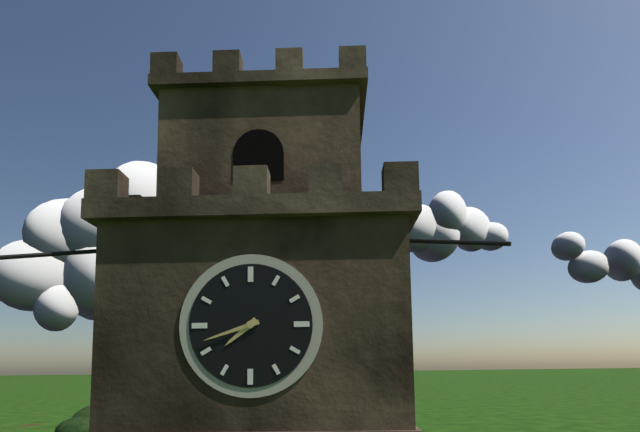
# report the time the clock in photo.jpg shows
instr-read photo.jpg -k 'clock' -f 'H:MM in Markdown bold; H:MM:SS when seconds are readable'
**7:42**
